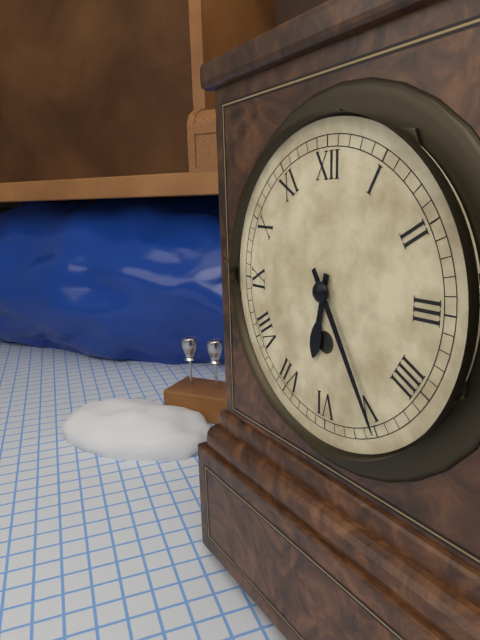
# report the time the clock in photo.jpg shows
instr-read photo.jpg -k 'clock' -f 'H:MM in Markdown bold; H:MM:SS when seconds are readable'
**6:25**
